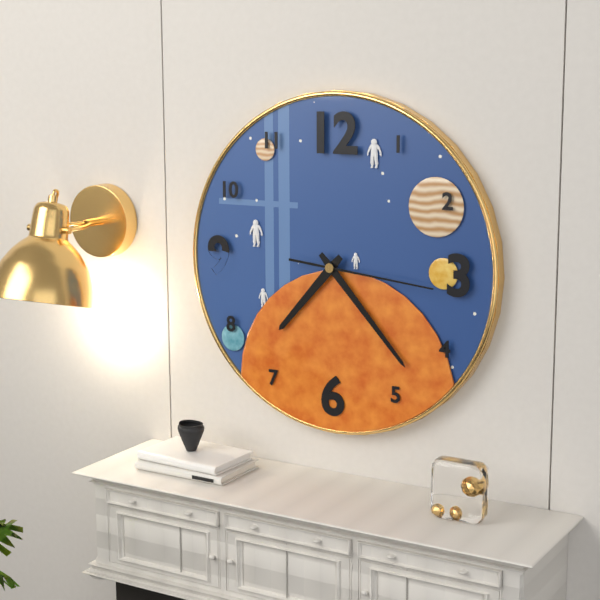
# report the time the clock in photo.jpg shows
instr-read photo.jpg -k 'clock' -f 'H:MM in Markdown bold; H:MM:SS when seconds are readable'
**7:23:16**
